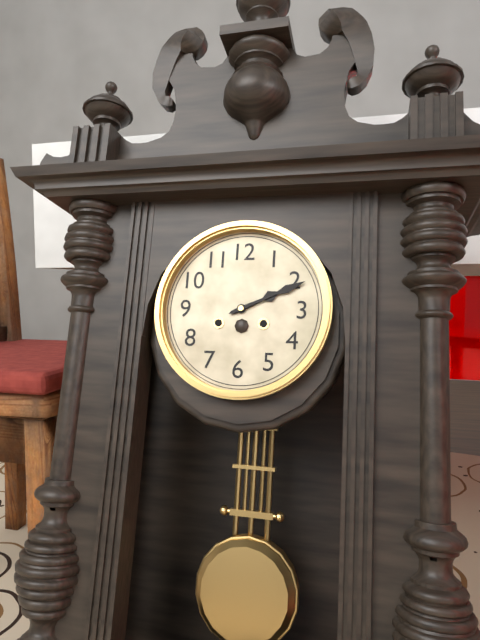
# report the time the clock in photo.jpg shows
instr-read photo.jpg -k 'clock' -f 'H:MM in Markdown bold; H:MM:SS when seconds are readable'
**2:11**
